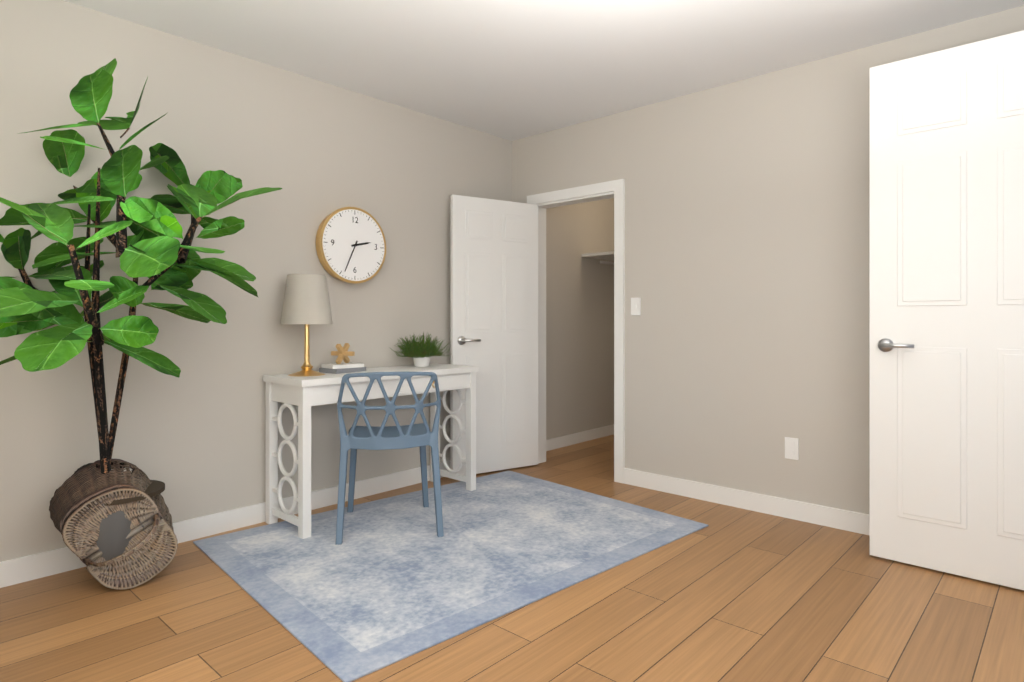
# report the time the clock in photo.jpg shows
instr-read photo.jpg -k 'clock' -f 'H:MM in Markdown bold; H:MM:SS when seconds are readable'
**2:34**
